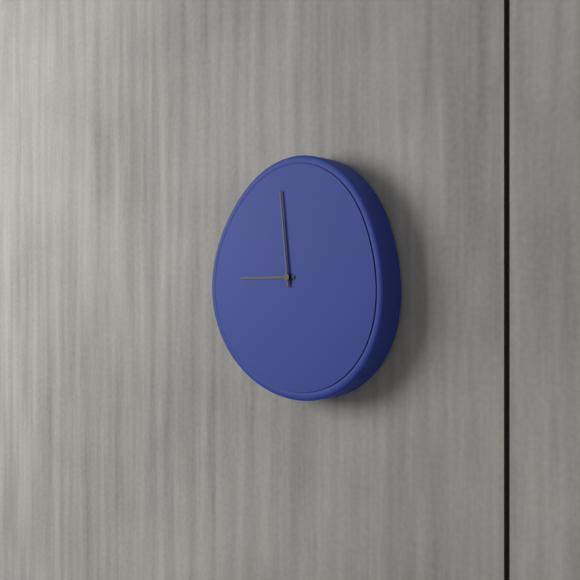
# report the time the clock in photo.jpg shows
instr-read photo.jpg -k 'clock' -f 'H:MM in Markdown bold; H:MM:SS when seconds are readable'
**8:59**
